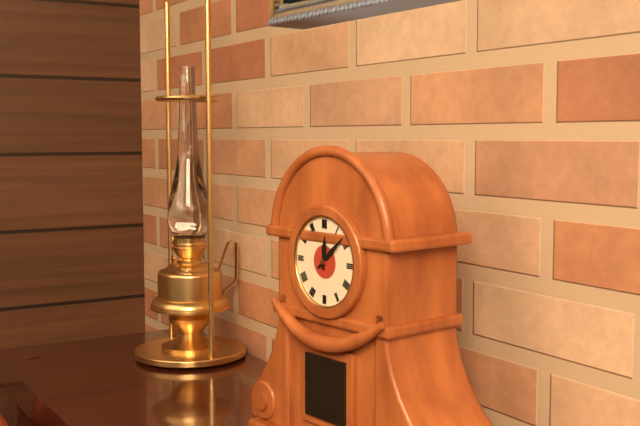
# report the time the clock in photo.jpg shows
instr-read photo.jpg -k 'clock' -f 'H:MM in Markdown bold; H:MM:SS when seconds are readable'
**12:08**
